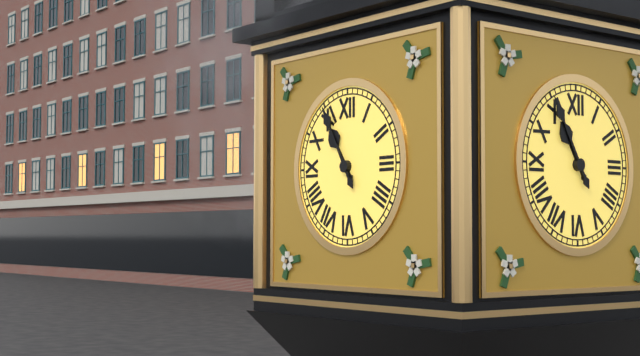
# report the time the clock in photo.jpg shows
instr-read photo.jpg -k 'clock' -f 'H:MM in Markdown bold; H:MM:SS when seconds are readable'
**10:55**
